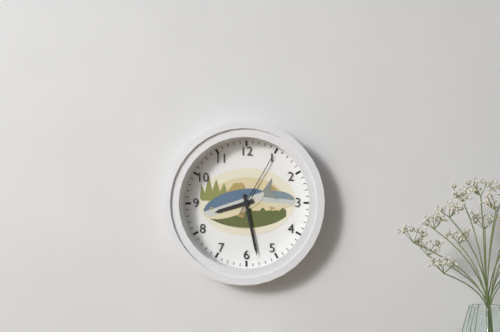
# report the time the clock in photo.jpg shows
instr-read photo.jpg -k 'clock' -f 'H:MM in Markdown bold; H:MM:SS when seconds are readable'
**8:28:05**
